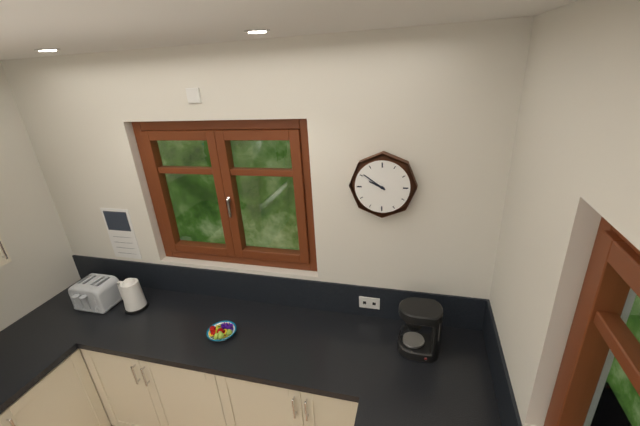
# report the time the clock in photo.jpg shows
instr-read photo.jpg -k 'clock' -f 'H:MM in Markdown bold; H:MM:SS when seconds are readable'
**9:51**
